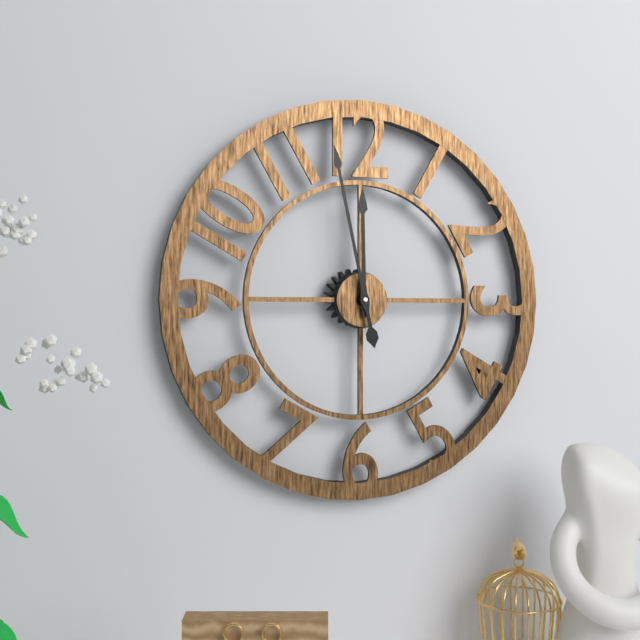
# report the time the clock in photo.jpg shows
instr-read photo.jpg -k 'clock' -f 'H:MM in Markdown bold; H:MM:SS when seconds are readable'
**11:58**
